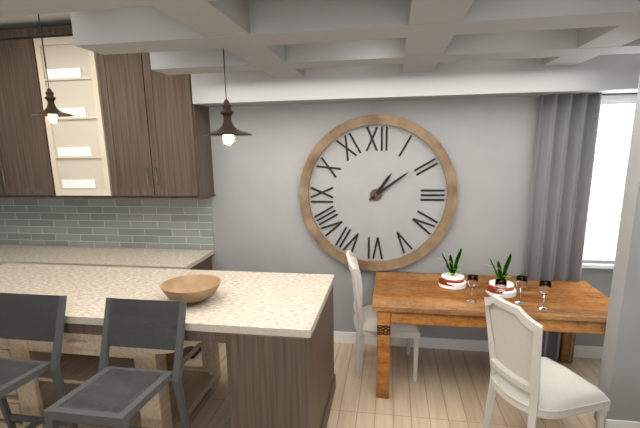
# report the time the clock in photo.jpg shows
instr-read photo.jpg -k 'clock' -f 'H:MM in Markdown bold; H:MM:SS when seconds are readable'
**1:09**
